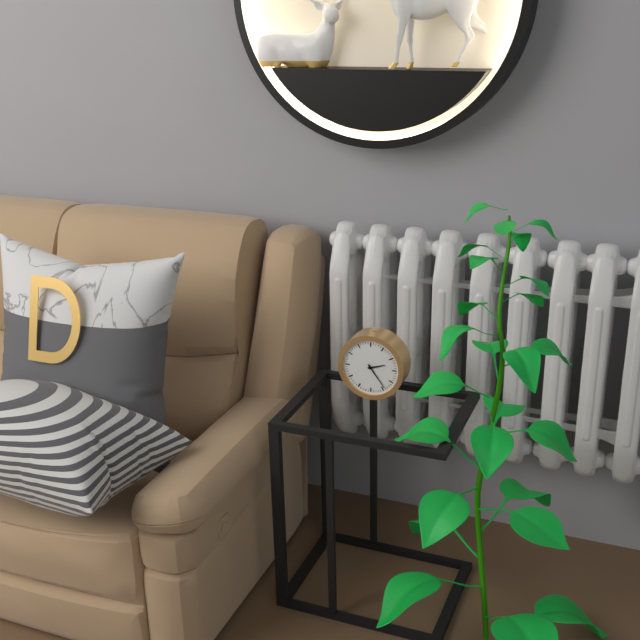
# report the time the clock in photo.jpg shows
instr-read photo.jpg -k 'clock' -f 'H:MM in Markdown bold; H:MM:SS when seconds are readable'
**2:24**
